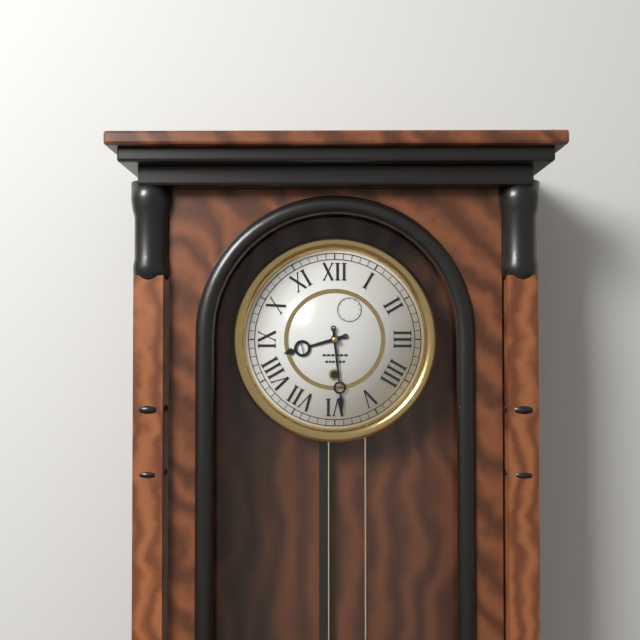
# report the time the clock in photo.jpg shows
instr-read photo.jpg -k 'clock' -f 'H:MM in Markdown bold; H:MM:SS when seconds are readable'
**8:29**
